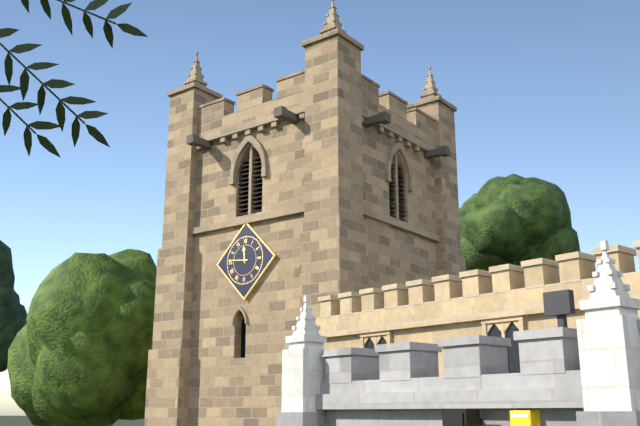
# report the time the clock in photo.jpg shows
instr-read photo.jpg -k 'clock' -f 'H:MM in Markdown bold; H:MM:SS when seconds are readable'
**11:46**
